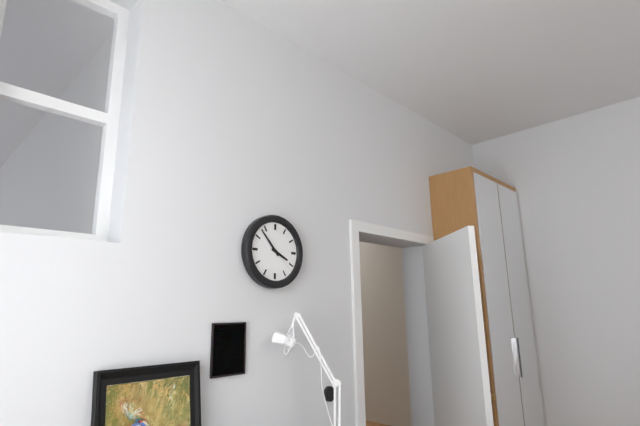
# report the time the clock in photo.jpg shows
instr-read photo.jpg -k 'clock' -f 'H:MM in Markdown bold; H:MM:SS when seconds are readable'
**3:53**
